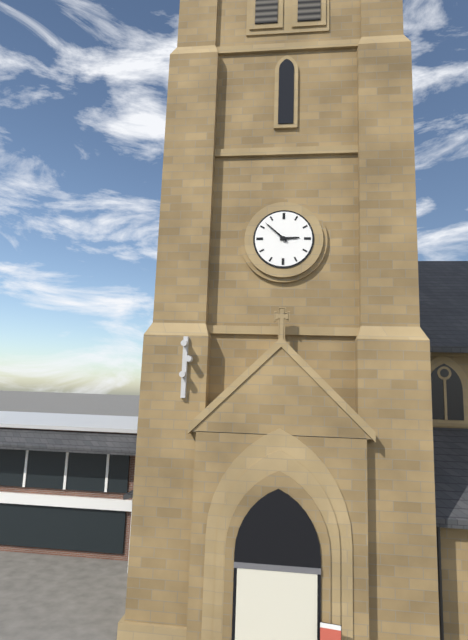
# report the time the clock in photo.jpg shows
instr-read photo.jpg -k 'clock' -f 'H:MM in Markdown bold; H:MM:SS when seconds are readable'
**2:52**
